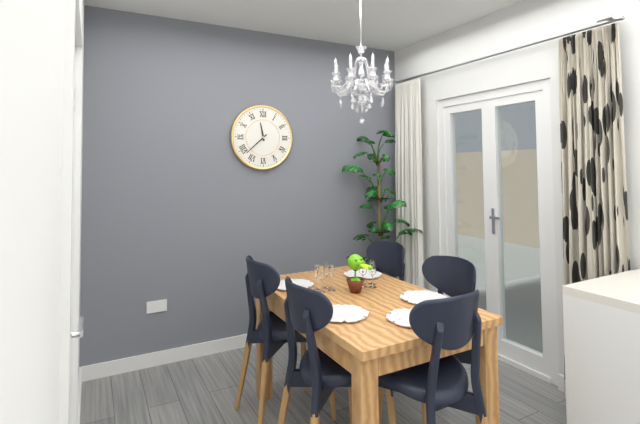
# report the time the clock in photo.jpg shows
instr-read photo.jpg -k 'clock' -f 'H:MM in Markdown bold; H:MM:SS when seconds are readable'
**11:38**
